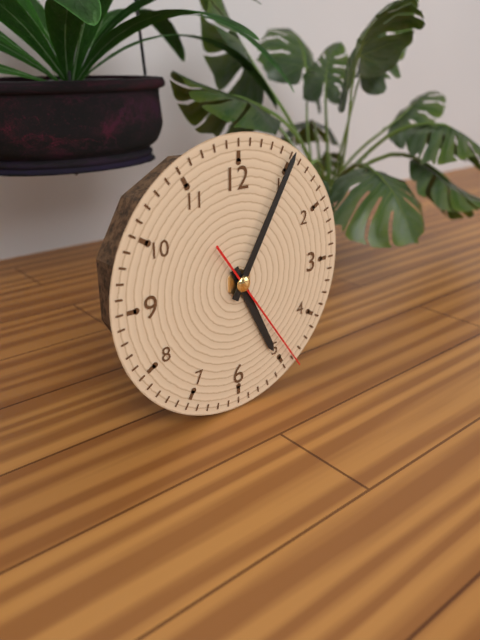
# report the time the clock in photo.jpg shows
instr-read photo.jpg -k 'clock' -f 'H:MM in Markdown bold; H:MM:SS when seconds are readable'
**5:05:24**
